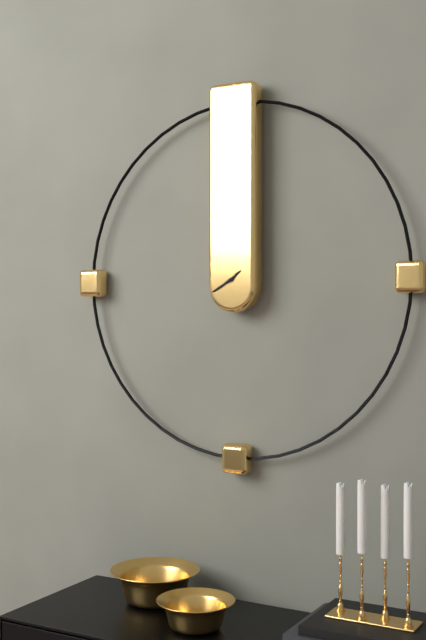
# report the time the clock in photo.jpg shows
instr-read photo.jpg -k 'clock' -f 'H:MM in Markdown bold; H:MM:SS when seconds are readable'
**1:40**
